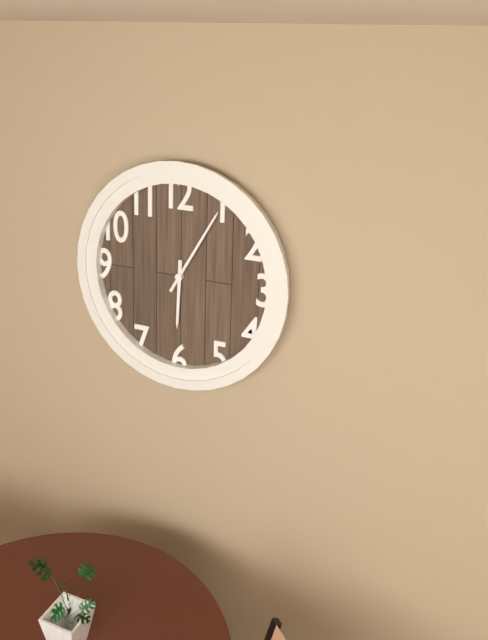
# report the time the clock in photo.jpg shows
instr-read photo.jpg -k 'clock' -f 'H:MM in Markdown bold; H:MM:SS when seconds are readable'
**6:05**
